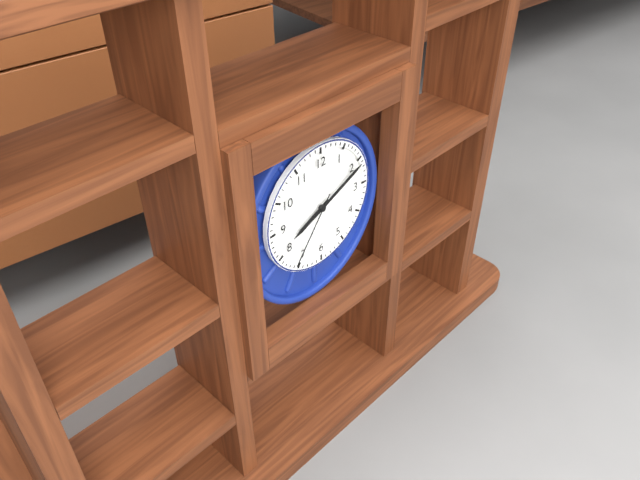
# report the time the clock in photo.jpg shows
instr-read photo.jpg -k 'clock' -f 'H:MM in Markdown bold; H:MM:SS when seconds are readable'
**8:11:36**
